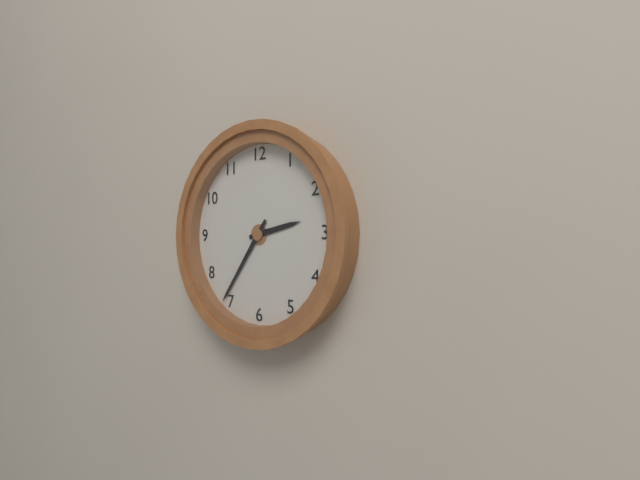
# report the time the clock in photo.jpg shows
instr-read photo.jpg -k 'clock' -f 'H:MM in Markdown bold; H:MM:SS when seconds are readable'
**2:36**
